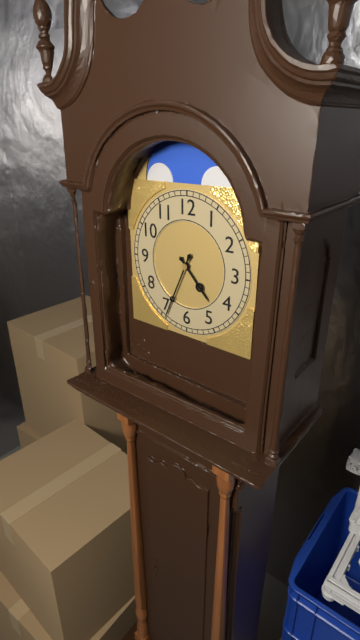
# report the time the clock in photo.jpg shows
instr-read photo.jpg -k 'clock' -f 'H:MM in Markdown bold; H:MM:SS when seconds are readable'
**4:34**
